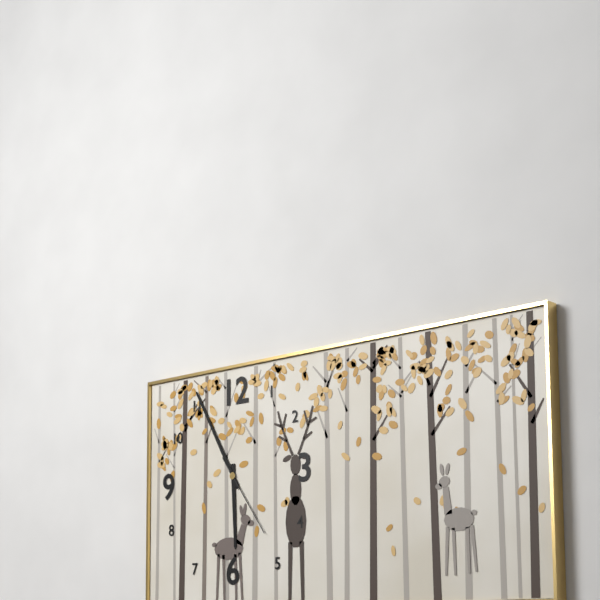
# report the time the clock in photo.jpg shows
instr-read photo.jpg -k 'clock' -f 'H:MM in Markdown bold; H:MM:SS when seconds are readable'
**5:55:24**
